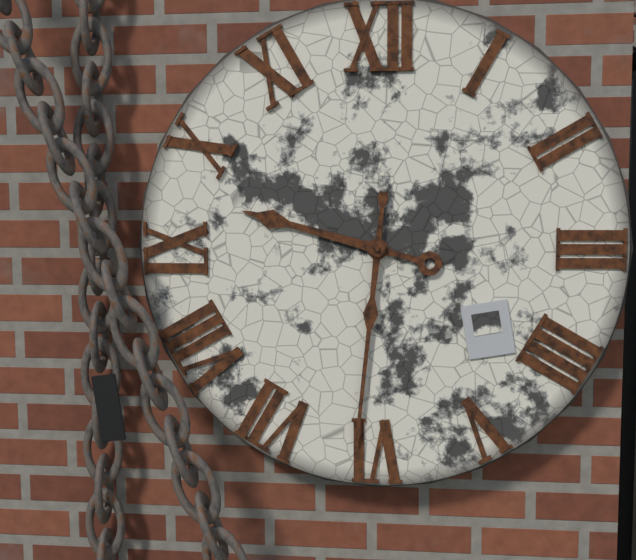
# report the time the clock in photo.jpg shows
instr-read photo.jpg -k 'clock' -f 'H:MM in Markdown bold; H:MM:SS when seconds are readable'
**9:31**
